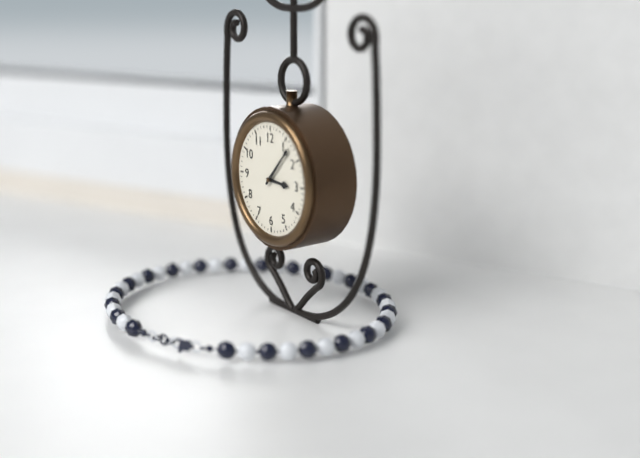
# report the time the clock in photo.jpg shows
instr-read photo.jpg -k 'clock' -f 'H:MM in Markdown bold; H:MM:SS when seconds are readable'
**3:07**
